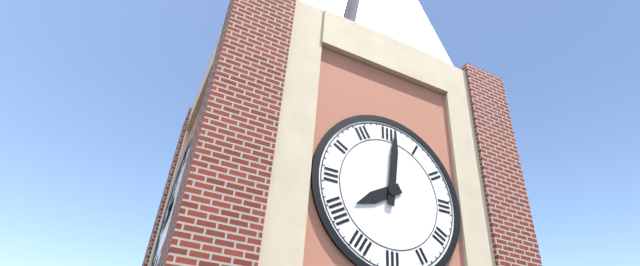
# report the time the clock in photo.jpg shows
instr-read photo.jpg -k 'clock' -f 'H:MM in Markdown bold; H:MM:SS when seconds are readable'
**8:01**
